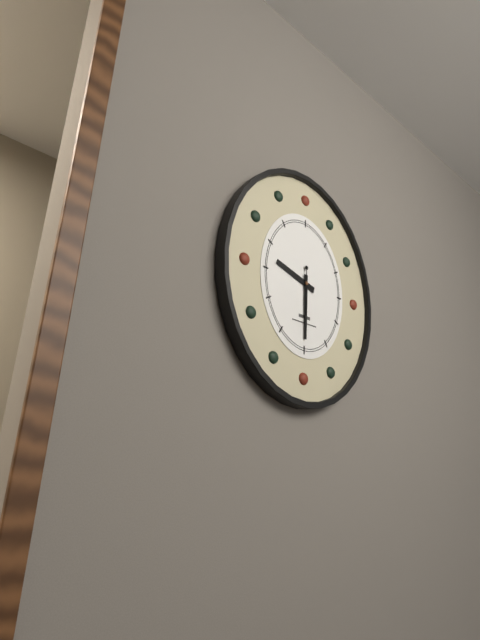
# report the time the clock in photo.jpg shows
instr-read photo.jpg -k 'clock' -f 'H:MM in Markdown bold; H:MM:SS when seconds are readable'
**9:30**
